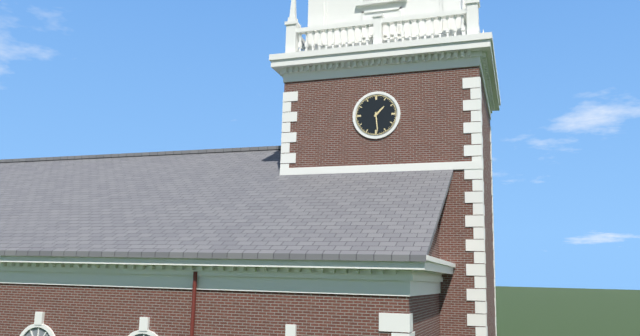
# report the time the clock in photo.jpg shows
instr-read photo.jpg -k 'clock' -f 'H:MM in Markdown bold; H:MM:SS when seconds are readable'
**1:29**
